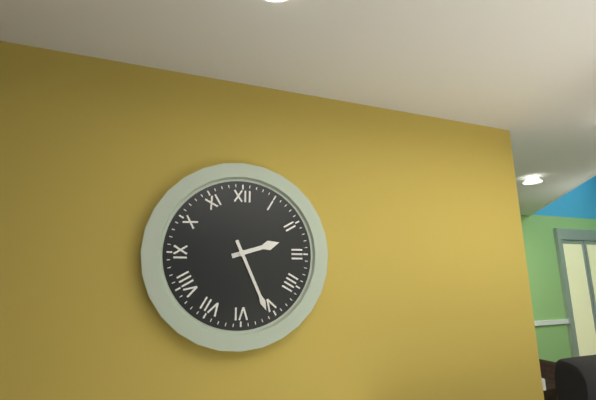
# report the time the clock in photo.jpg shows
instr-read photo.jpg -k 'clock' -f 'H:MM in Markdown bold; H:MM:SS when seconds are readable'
**2:26**
